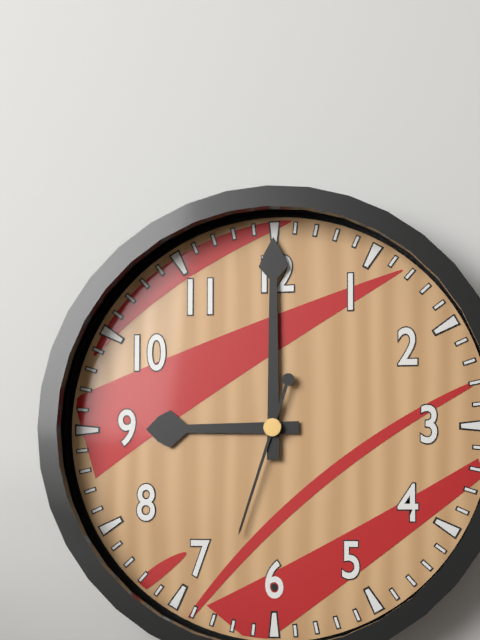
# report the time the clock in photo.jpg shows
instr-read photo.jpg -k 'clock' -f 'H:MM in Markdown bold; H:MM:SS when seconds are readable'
**9:00:33**
